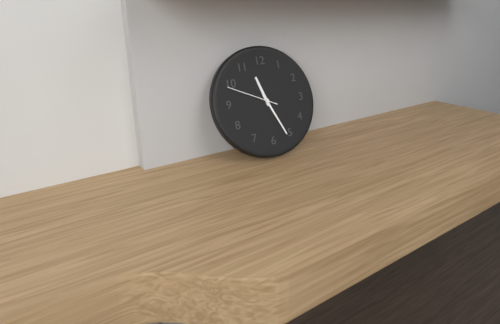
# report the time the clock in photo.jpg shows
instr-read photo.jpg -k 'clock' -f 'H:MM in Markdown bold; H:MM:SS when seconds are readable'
**11:26:49**
